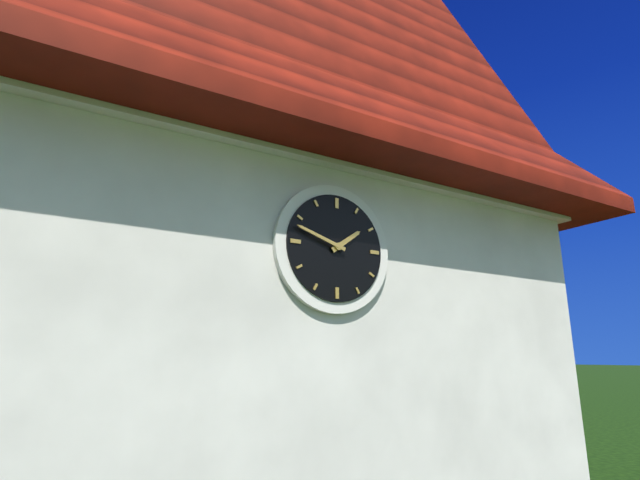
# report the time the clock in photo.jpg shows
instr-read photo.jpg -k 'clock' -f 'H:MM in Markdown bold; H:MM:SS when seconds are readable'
**1:48**
